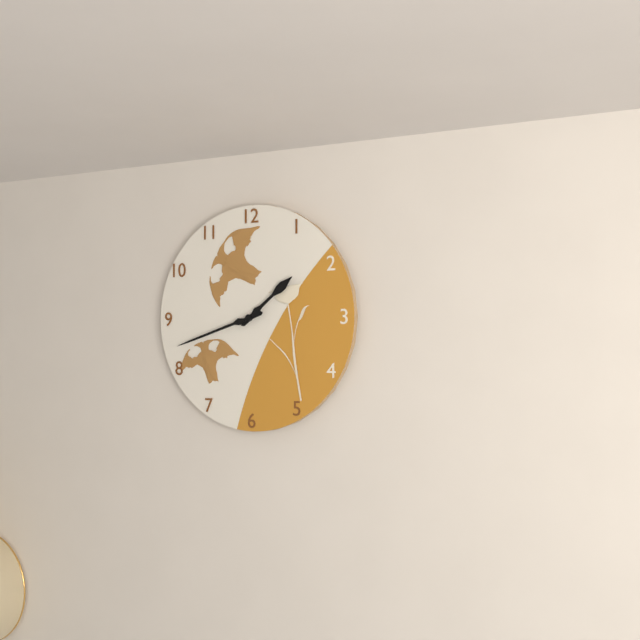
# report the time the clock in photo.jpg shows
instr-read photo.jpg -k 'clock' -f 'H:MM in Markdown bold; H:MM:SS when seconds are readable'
**1:42**
